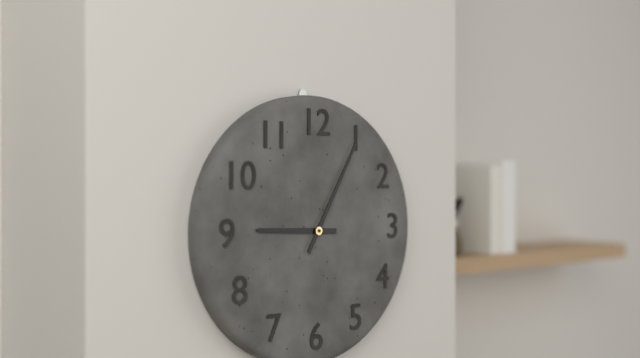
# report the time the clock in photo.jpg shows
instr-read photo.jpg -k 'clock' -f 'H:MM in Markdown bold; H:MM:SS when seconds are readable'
**9:05**
